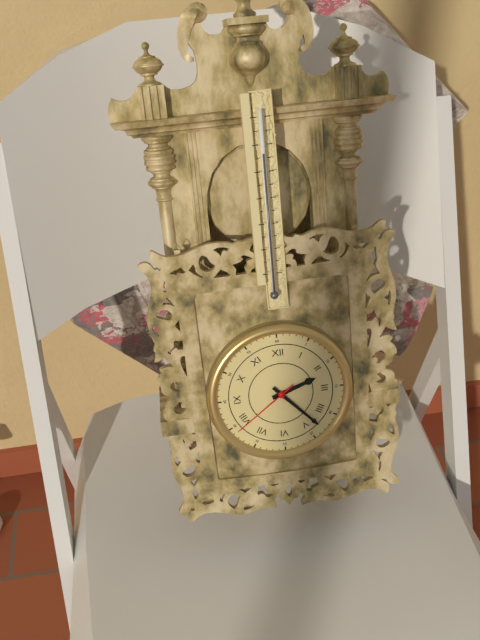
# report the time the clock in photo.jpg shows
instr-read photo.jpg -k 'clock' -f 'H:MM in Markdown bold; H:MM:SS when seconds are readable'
**2:23:39**
